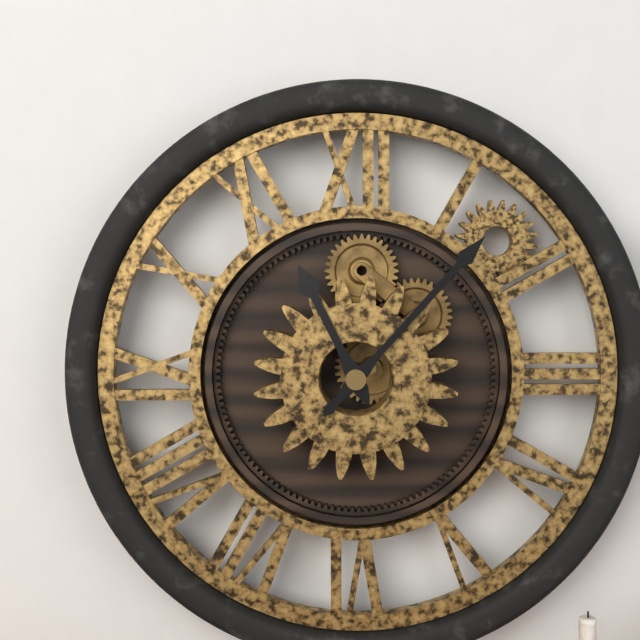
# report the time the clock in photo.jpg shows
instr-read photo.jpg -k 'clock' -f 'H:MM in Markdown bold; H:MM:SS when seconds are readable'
**11:07**
